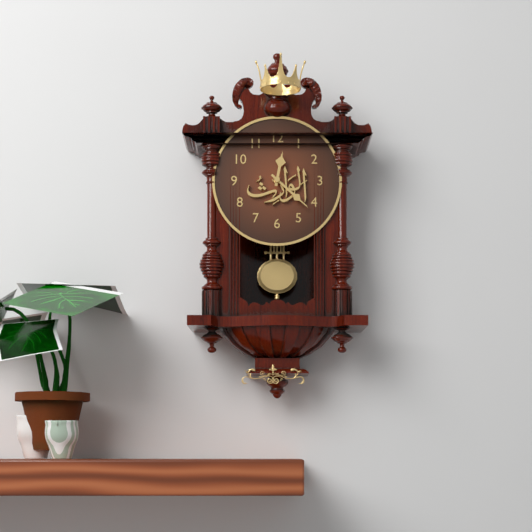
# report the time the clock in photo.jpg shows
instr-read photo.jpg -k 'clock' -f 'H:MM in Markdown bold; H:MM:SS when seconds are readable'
**12:22**
